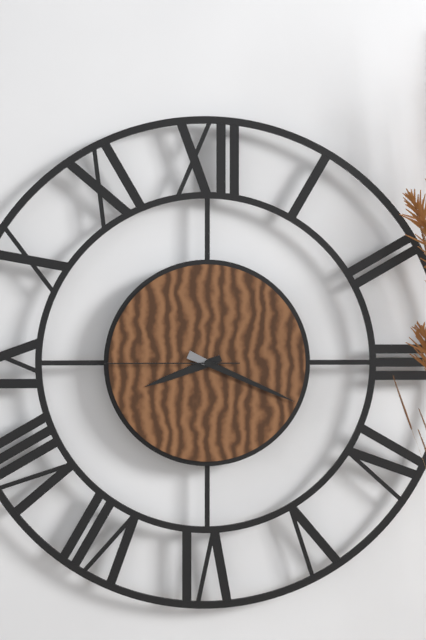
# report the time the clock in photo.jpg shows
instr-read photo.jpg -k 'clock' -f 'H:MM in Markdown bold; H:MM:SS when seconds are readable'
**8:19:45**
